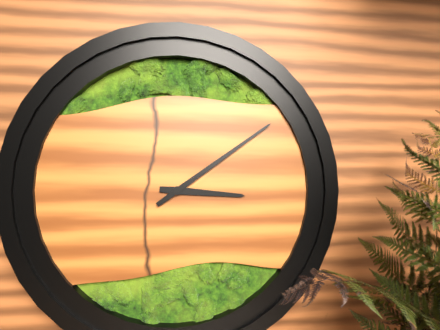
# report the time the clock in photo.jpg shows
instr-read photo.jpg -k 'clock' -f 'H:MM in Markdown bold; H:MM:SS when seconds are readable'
**3:09**
